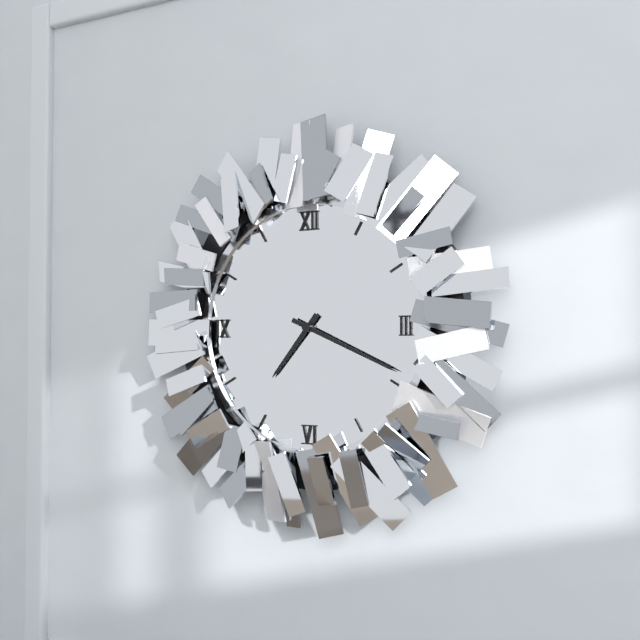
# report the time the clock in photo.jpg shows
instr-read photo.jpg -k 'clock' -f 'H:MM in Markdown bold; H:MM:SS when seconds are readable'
**7:19**
